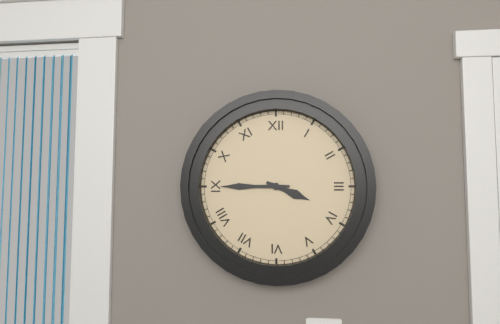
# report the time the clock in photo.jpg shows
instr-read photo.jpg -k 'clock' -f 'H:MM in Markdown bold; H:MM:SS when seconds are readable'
**3:45**
